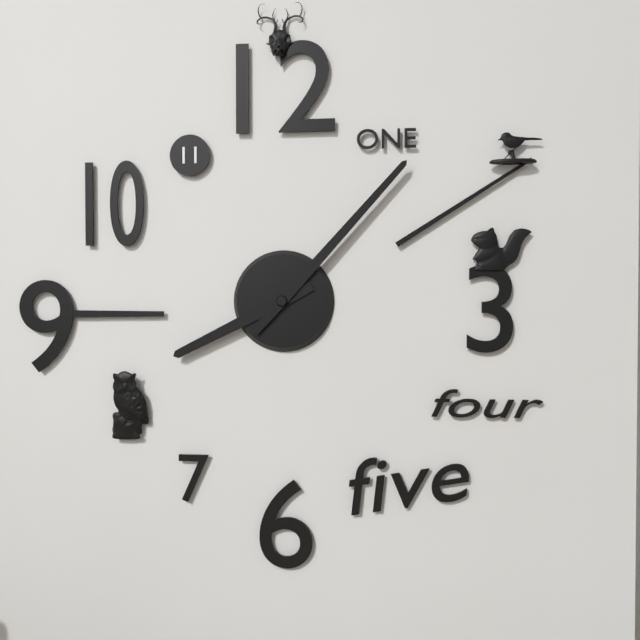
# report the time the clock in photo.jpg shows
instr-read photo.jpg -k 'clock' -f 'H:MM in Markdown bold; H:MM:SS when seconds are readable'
**8:07**
